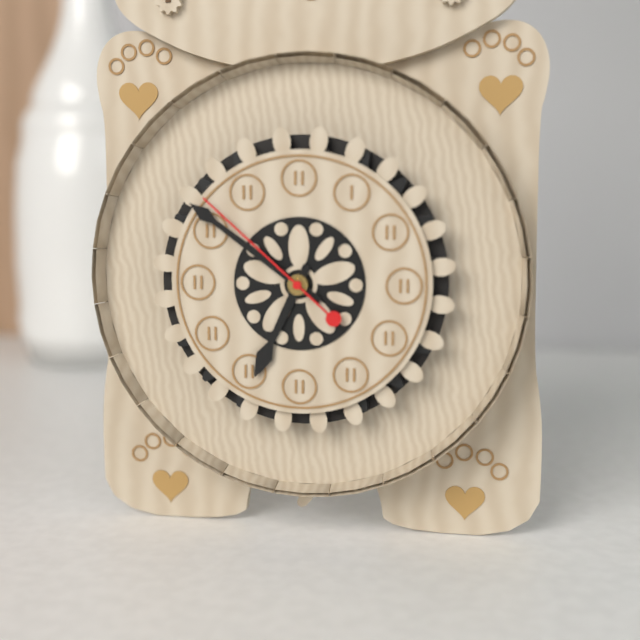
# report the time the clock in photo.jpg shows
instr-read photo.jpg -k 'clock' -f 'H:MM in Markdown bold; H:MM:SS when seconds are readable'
**6:51:52**
